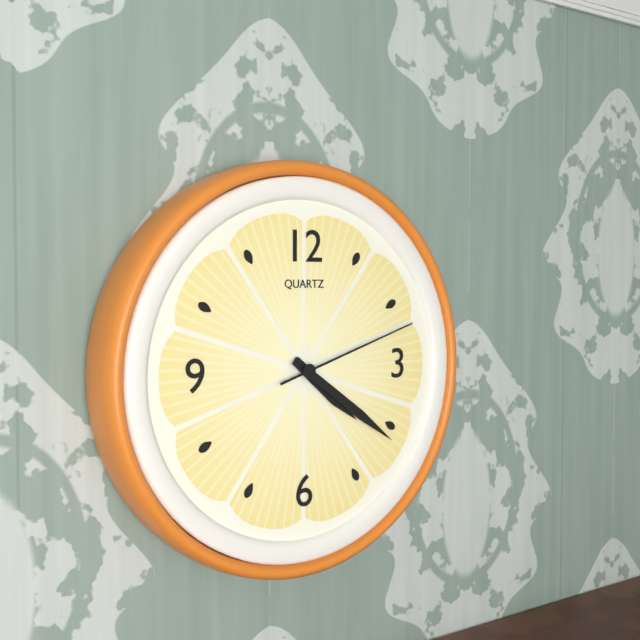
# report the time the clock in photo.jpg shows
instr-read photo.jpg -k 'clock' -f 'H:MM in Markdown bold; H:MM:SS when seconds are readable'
**4:21:12**
